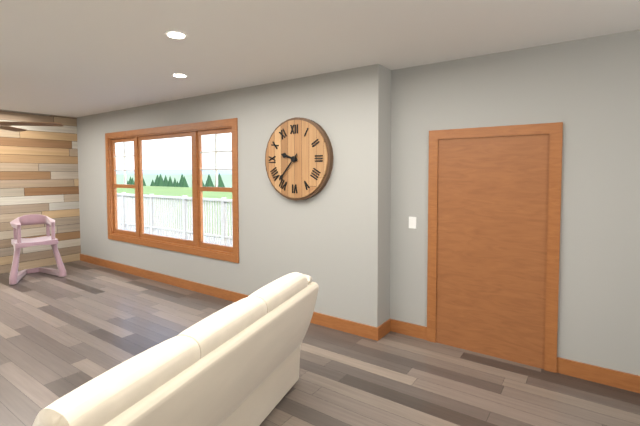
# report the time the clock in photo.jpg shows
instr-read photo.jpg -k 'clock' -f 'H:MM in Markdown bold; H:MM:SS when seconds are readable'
**9:37**
